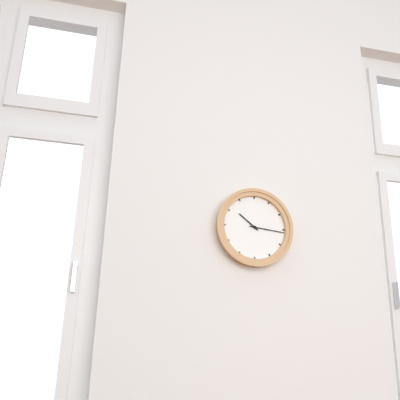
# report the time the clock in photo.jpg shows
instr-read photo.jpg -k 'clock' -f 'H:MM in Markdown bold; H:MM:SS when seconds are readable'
**10:16**
